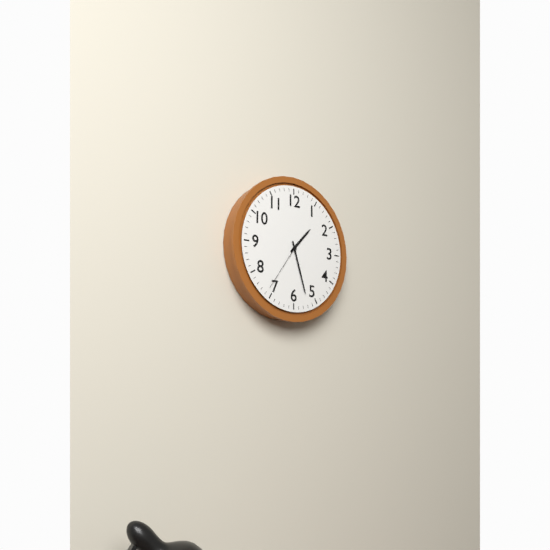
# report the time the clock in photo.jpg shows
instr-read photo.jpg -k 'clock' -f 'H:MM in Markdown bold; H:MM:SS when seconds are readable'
**1:27:36**
